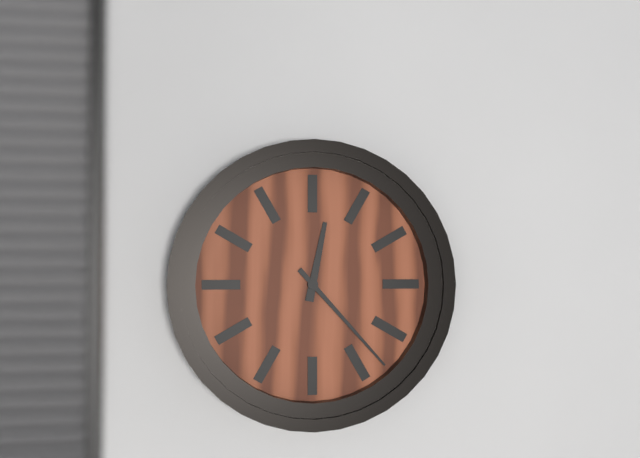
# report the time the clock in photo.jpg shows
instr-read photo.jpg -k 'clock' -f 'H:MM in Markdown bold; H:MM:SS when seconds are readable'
**12:23**
